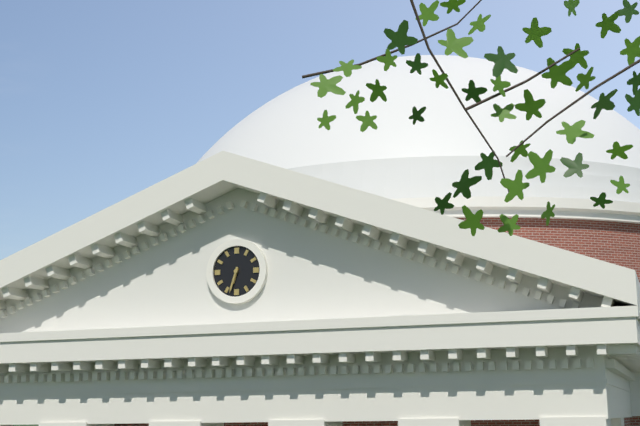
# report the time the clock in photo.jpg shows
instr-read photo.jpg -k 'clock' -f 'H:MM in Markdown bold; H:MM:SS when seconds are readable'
**6:33**
